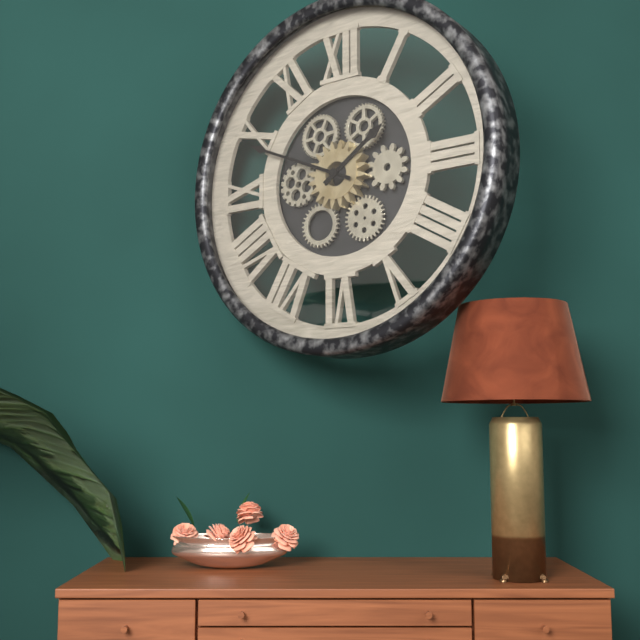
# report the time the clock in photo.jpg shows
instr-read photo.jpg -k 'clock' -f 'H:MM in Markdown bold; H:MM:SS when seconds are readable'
**1:49**
